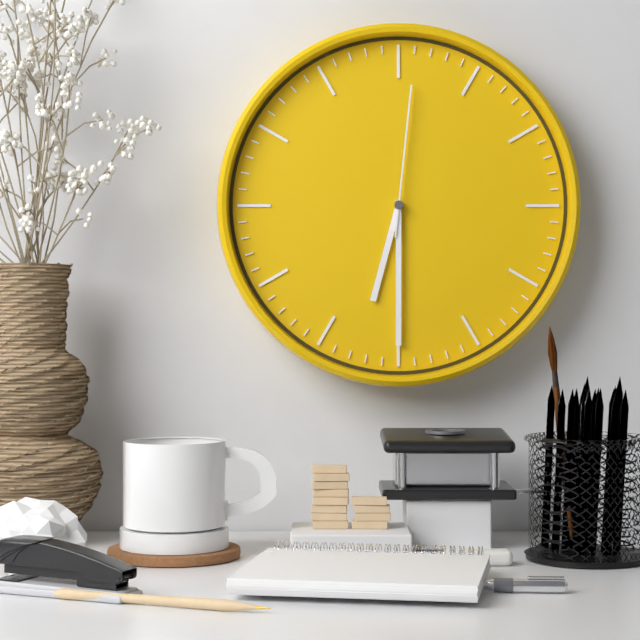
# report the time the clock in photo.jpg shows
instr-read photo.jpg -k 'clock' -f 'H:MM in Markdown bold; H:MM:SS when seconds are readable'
**6:30:01**
